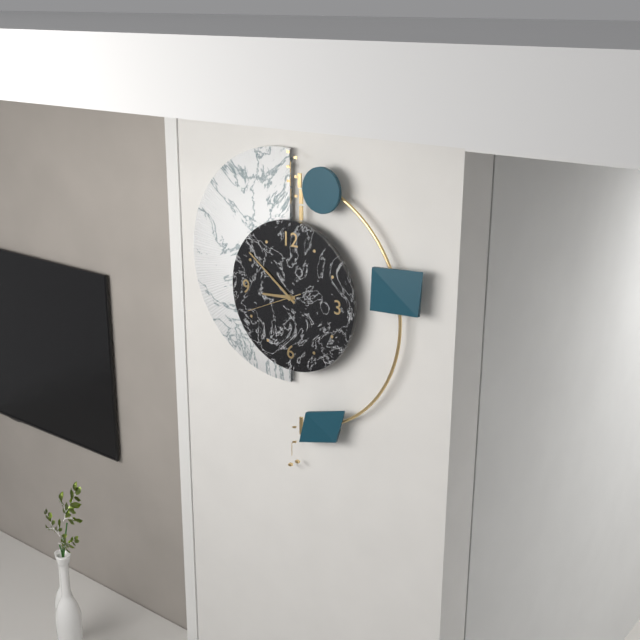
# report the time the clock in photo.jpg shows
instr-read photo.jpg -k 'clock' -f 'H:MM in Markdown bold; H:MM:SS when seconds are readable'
**8:51:41**
